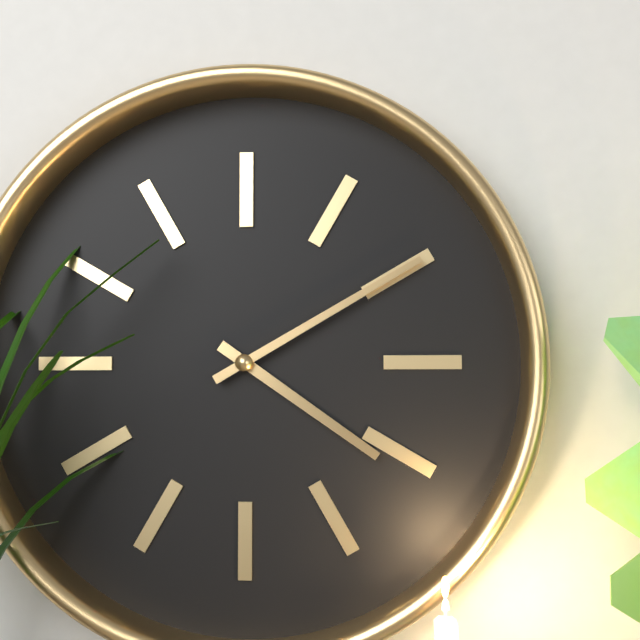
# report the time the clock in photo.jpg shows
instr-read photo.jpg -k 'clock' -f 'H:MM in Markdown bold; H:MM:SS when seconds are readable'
**4:10**
